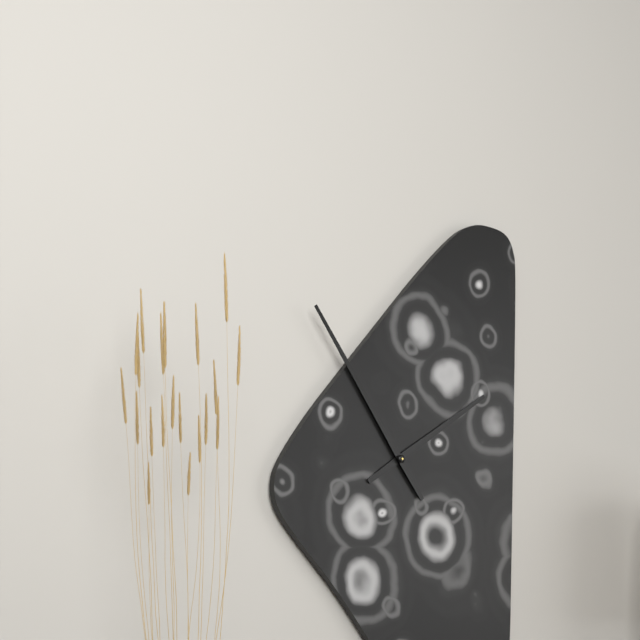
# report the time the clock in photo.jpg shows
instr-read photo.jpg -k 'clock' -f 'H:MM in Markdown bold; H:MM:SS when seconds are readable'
**1:54**
